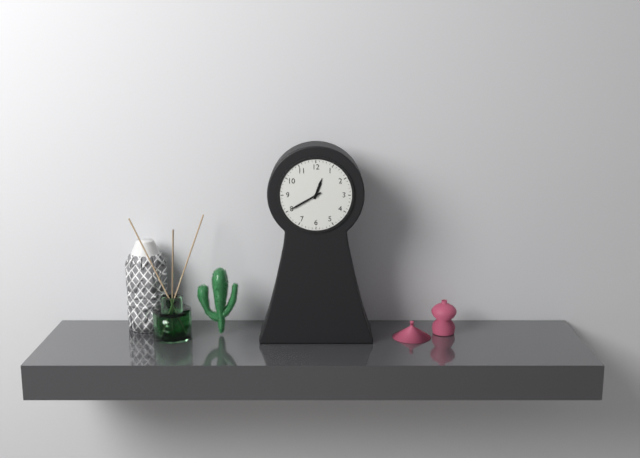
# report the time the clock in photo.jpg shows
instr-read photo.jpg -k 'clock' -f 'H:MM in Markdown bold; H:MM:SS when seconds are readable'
**12:40**
